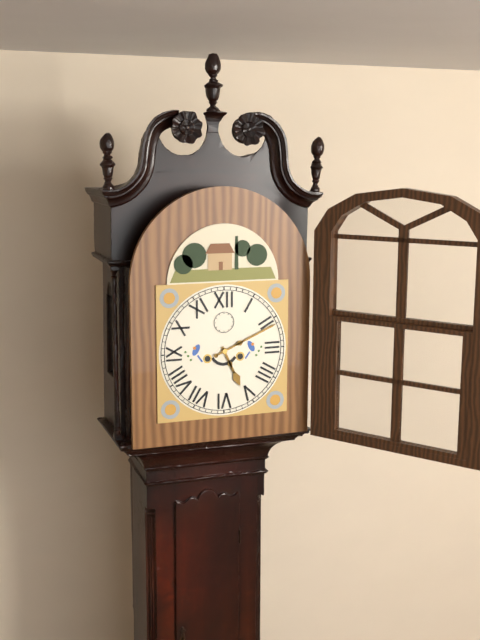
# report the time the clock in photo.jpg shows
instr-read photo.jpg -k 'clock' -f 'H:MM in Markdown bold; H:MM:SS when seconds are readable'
**5:11**
